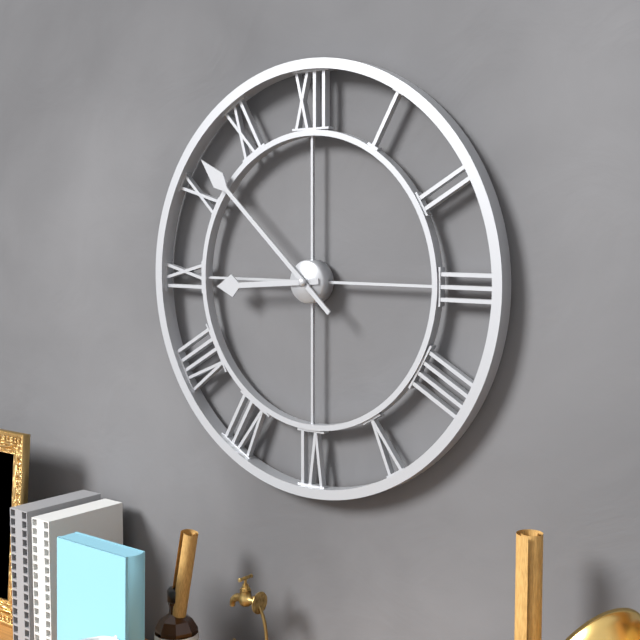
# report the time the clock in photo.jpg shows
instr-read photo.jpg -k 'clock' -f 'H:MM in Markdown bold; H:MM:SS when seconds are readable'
**8:52**
